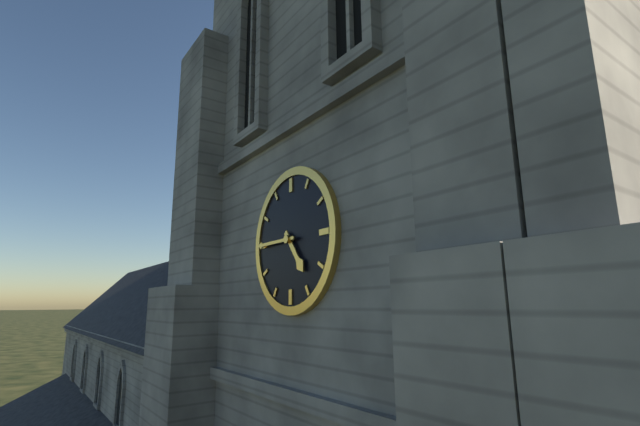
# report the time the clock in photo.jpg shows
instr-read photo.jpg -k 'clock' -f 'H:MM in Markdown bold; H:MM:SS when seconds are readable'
**4:45**
